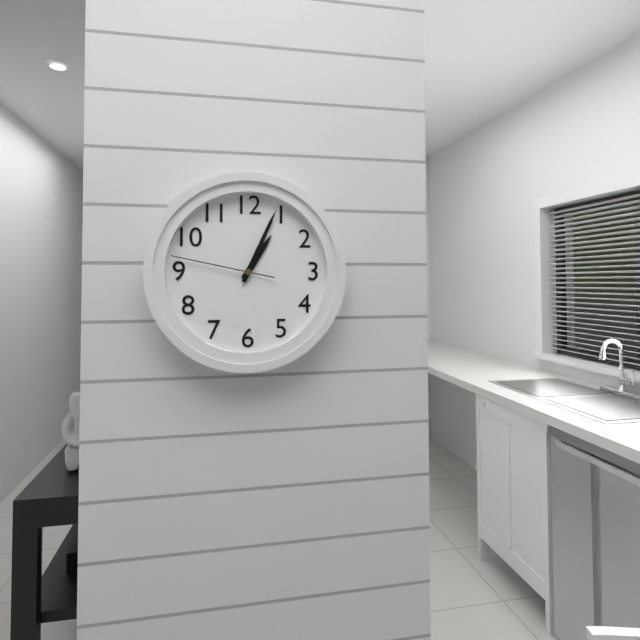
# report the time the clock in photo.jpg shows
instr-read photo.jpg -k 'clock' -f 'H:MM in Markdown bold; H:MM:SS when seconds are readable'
**1:04:47**
